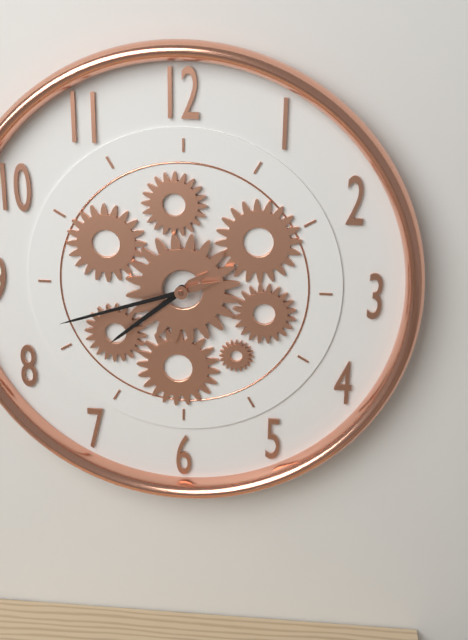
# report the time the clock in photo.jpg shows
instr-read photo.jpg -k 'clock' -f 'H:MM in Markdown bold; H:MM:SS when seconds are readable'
**7:42**
